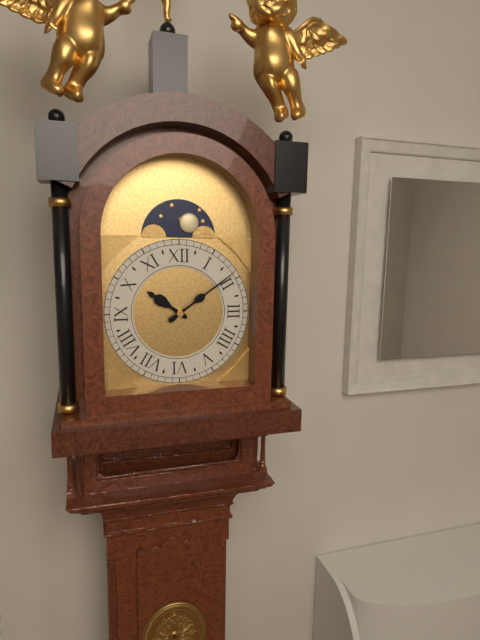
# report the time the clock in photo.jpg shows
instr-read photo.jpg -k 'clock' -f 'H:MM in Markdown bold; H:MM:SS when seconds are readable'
**10:09**
